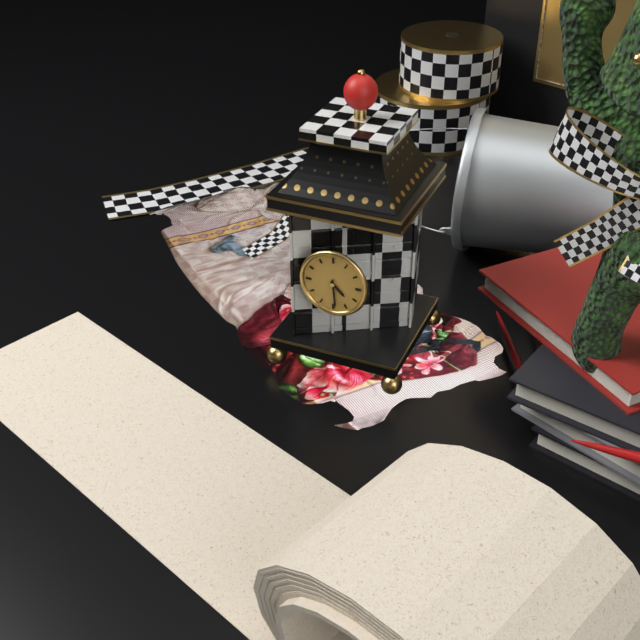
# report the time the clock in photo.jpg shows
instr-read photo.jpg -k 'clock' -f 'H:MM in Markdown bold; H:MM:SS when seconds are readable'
**4:29**
